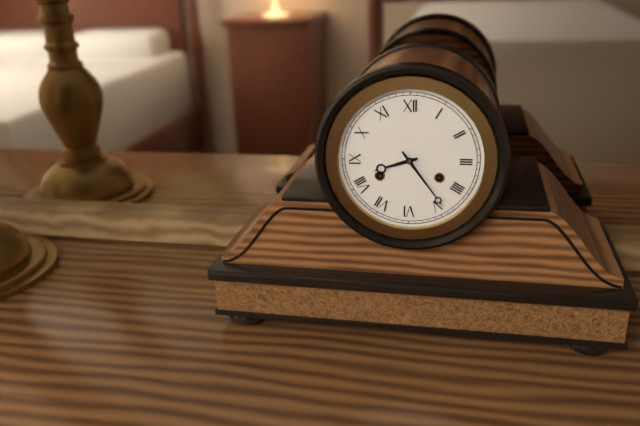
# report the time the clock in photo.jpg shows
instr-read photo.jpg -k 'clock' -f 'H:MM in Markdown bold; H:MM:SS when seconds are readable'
**8:24**
